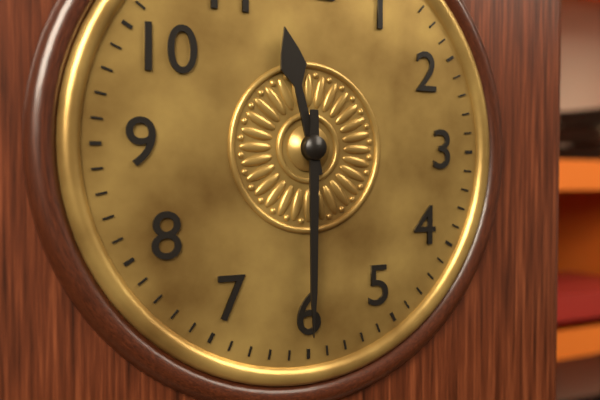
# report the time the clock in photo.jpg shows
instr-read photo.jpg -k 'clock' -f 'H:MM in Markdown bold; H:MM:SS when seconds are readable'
**11:30**
